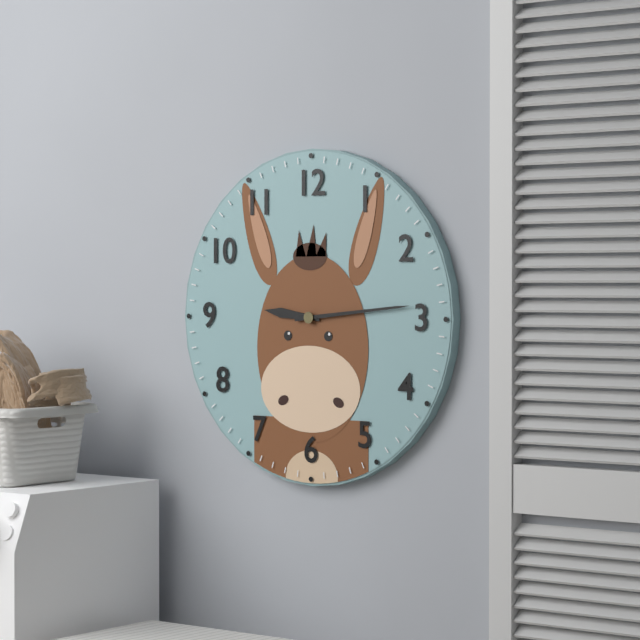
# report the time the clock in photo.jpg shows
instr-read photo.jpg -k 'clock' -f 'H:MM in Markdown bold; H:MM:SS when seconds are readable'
**9:14**
